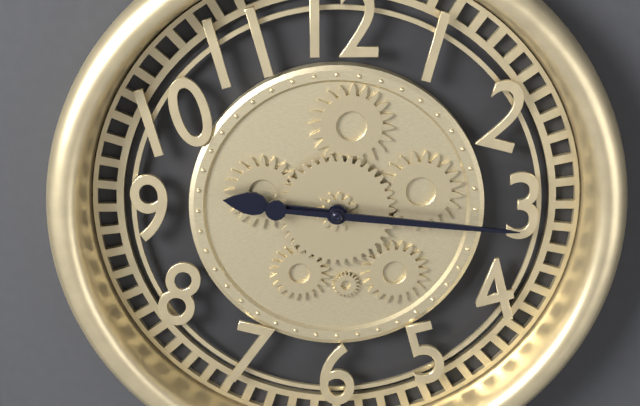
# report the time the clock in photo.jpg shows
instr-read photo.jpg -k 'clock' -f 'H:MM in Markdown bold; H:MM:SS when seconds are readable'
**9:16**
